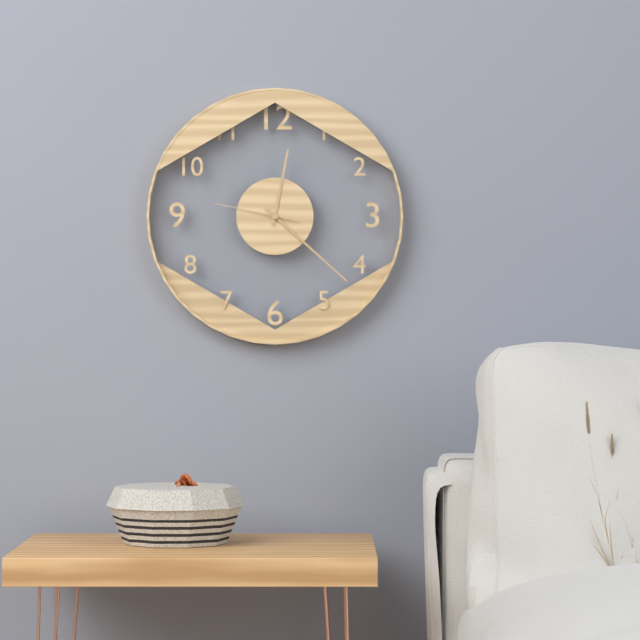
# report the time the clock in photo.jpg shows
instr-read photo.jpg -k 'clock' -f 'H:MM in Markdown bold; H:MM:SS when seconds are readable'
**12:22:47**
